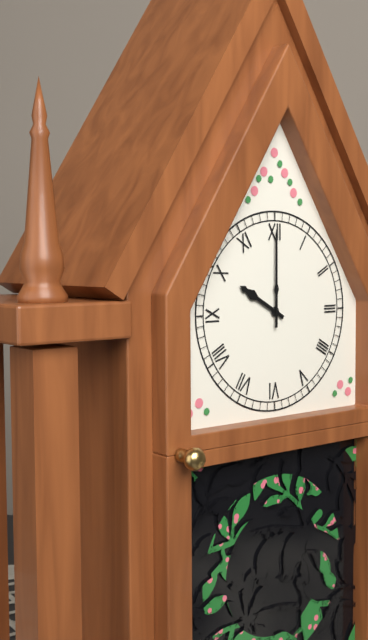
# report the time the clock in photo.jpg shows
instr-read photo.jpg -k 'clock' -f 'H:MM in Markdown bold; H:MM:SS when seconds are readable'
**10:00**
